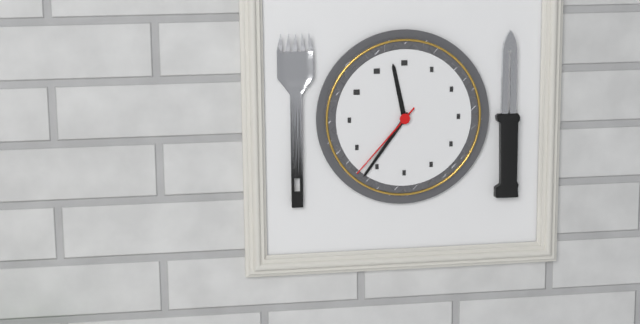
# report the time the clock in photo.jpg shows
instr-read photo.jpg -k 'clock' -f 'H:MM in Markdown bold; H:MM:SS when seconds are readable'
**11:36:37**
